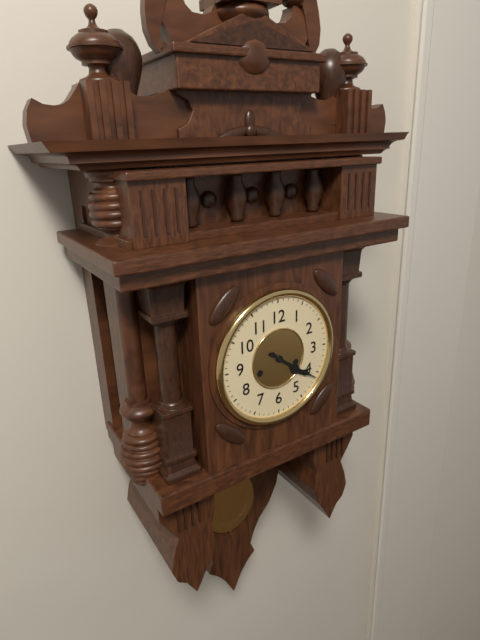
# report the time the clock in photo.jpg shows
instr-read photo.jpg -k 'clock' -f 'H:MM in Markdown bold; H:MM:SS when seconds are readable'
**4:21**
